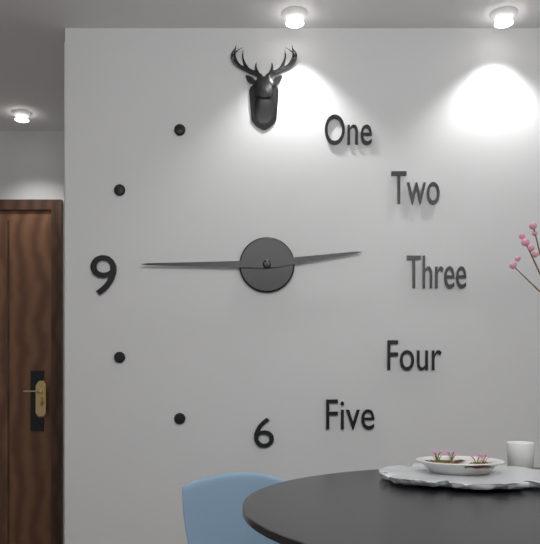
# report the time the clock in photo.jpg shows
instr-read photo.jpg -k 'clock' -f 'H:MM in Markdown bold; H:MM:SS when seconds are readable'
**2:45**
